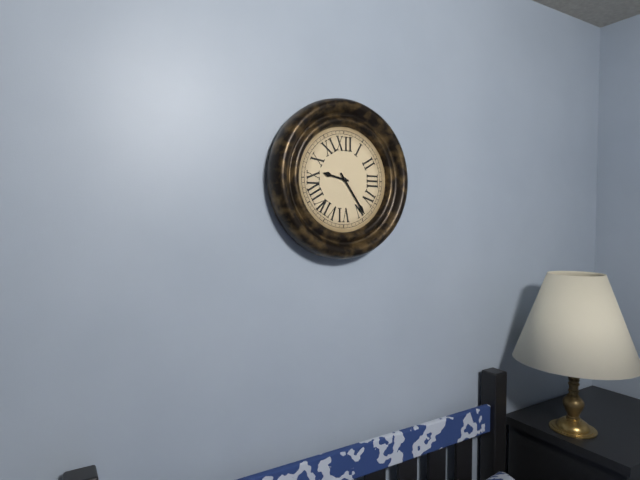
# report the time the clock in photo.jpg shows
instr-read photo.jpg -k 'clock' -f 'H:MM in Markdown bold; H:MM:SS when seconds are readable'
**9:24**
